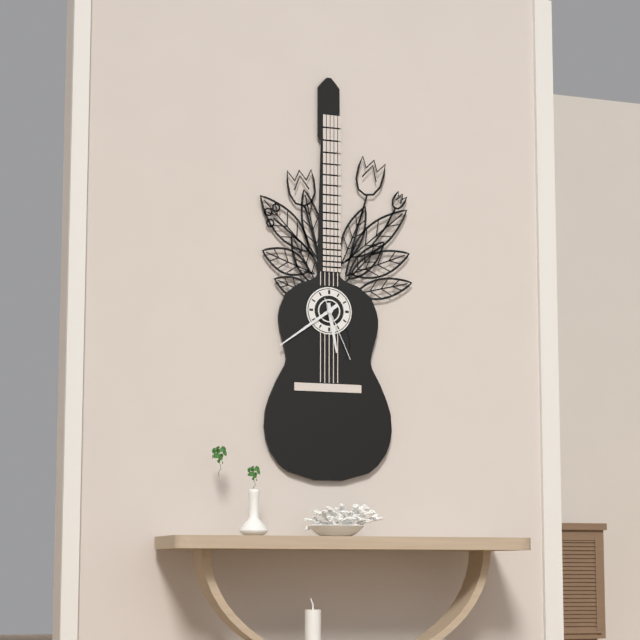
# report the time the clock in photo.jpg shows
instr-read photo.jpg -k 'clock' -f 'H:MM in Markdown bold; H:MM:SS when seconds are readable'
**5:39:26**
